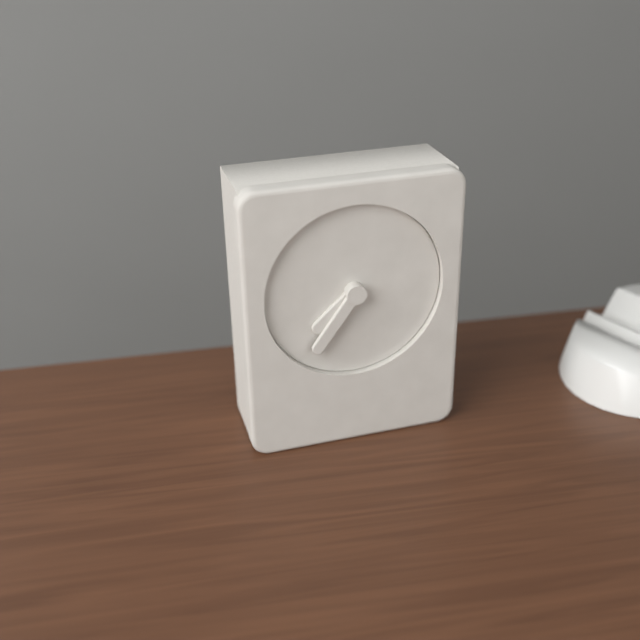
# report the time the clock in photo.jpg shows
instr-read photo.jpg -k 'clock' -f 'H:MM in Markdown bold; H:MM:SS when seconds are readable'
**7:36**
